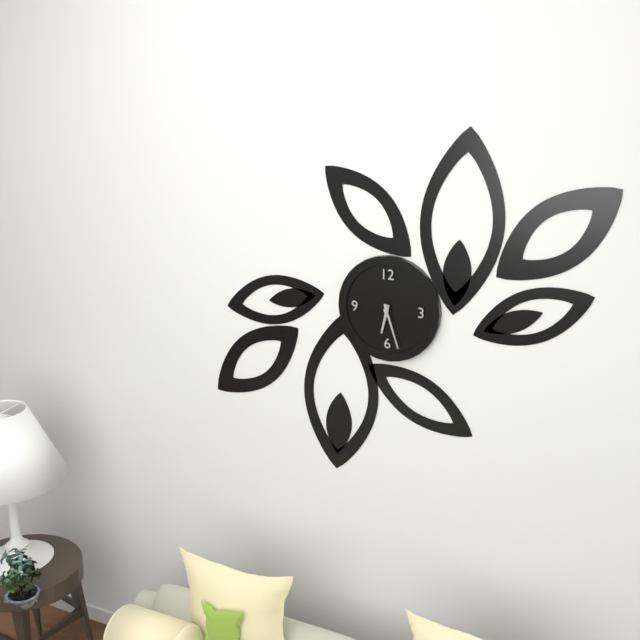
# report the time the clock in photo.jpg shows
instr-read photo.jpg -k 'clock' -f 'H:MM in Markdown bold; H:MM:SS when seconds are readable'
**6:27**
